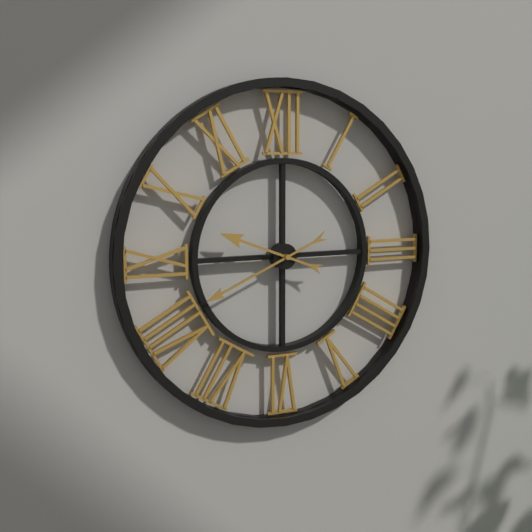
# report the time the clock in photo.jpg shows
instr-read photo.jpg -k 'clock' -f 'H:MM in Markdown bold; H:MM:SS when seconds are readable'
**9:41**
